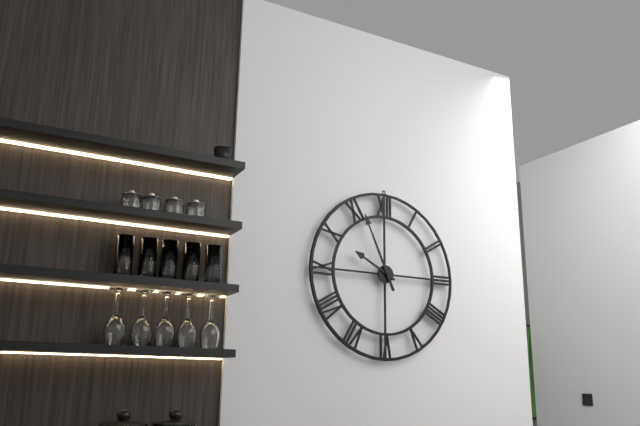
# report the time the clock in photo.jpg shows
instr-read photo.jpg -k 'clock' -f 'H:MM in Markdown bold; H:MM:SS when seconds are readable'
**9:56**
